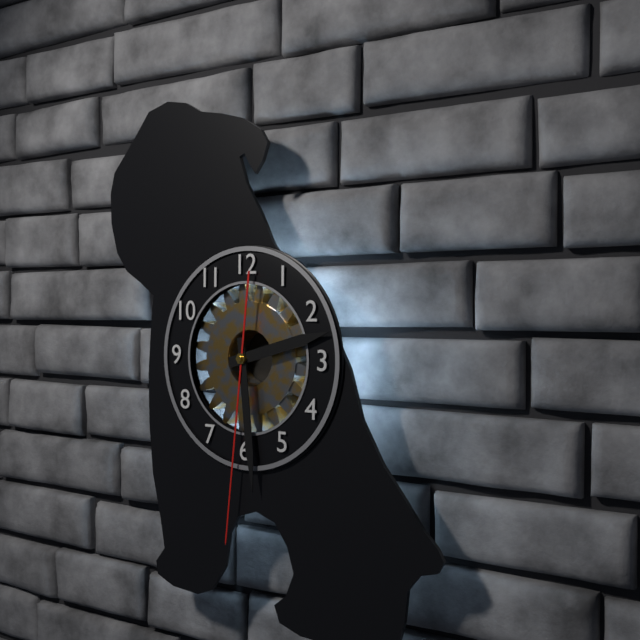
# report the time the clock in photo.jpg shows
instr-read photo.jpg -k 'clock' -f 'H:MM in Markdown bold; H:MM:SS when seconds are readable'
**2:29:31**
